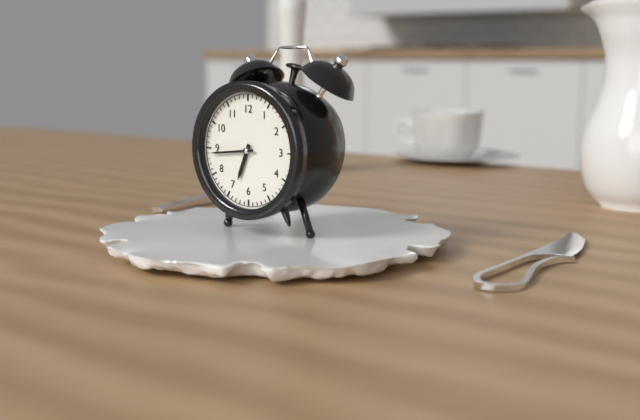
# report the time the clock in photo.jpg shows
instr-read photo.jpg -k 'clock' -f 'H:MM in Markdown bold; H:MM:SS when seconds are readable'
**6:44**
